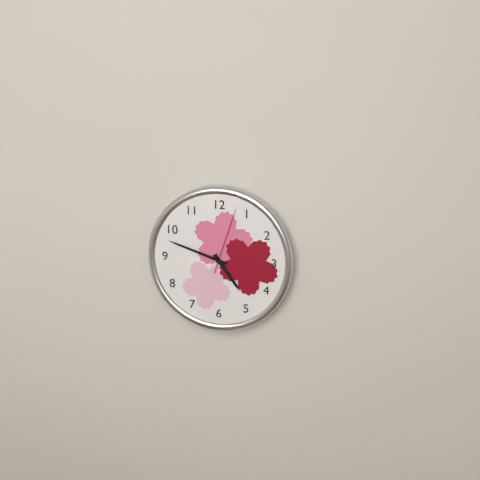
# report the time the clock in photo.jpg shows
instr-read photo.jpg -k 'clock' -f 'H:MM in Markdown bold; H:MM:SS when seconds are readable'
**4:48:03**
